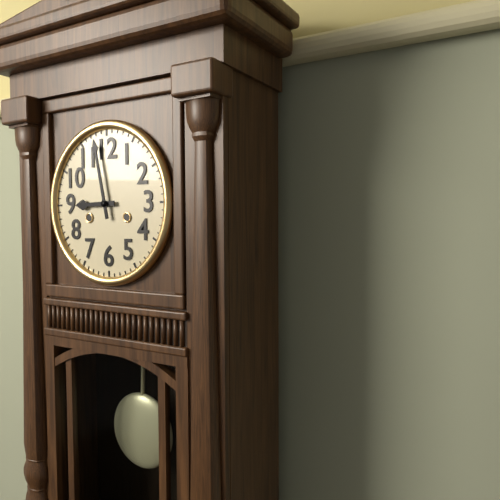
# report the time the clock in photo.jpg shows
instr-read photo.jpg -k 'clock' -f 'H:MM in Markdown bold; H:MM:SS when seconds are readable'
**8:58**
